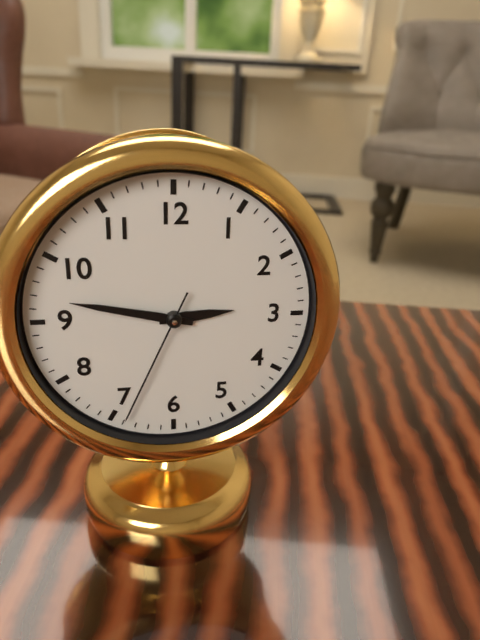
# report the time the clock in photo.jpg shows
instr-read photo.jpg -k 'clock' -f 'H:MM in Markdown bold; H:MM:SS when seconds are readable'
**2:47:34**
